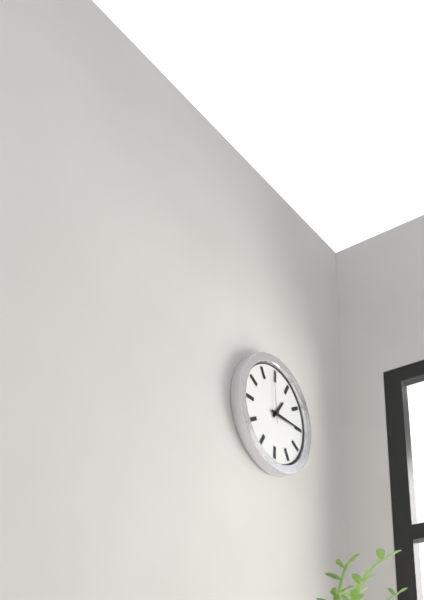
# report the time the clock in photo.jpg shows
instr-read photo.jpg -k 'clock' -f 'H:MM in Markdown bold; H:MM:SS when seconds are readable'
**1:15:59**
